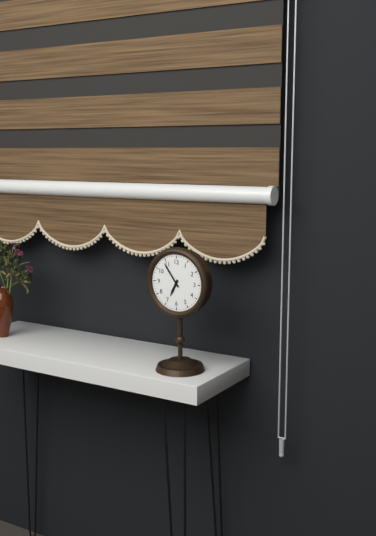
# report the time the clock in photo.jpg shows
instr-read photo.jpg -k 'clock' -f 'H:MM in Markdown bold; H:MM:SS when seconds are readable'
**6:54**
